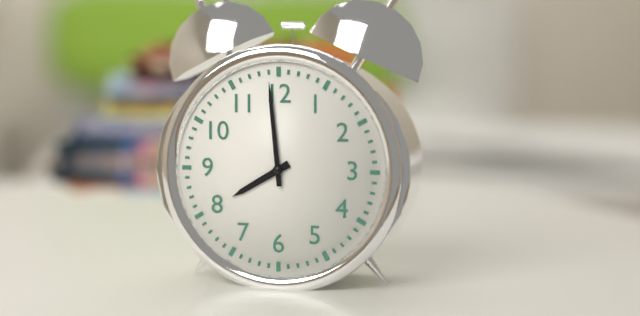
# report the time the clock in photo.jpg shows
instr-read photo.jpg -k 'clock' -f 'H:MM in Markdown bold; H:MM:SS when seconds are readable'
**7:59**
